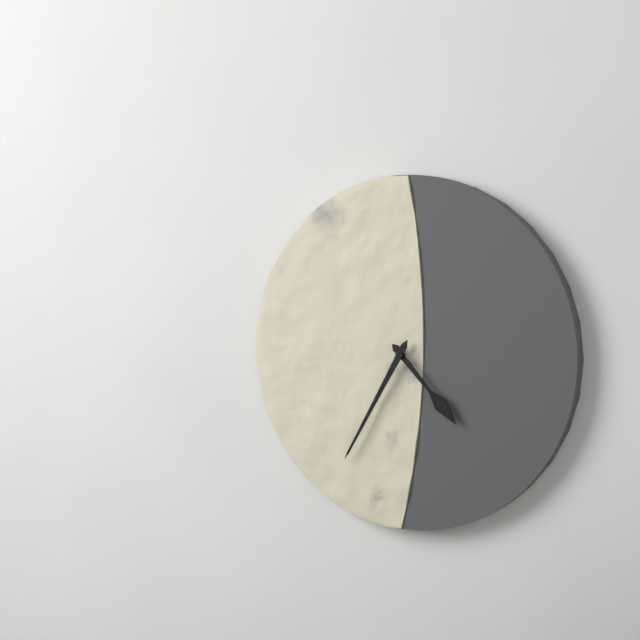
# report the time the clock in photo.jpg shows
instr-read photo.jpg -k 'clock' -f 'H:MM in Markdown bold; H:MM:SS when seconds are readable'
**4:35**
